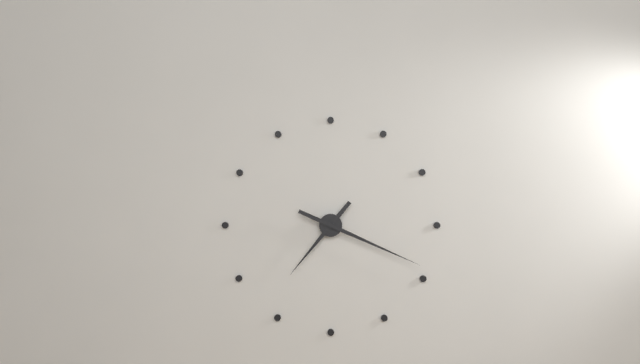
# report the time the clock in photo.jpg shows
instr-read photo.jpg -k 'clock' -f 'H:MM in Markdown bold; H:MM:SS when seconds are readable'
**7:19**
